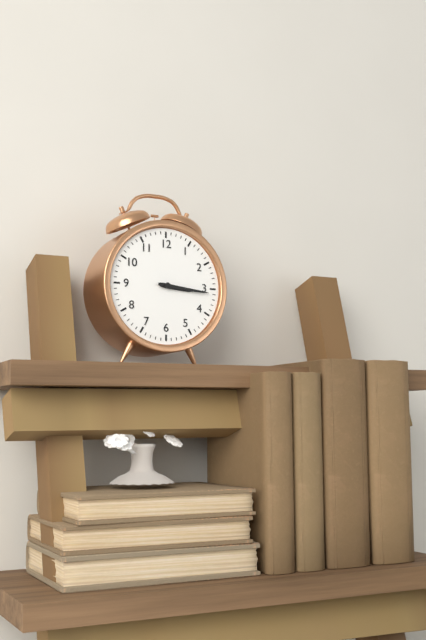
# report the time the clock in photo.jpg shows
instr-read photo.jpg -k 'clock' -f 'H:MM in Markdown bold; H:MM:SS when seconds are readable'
**3:16**
